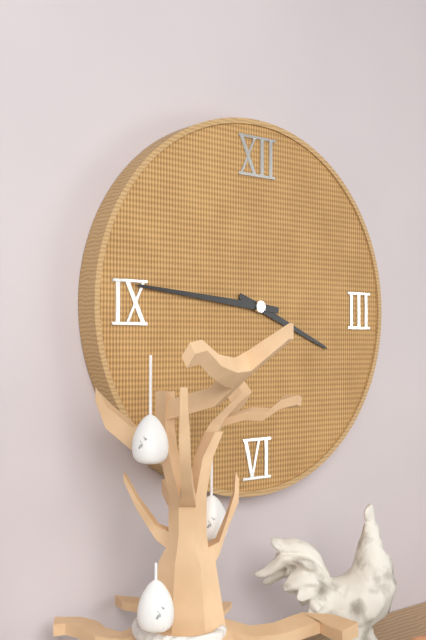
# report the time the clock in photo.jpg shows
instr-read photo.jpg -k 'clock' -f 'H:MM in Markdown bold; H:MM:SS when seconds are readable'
**3:46**
